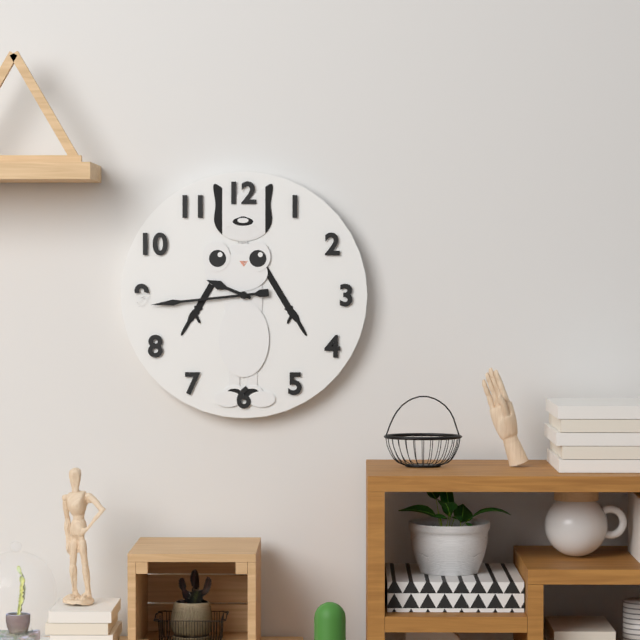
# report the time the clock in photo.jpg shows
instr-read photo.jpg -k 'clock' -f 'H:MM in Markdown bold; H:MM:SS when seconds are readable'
**9:44**
